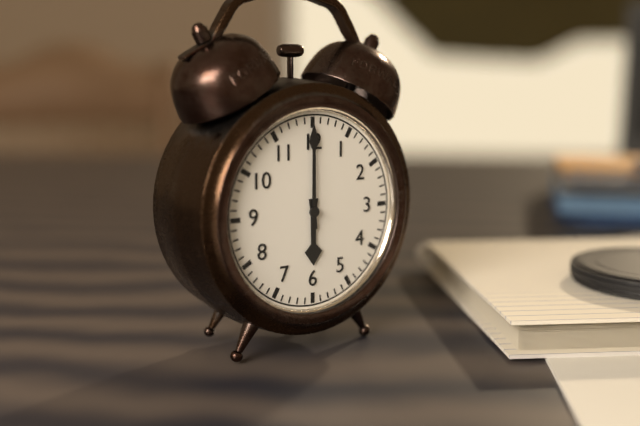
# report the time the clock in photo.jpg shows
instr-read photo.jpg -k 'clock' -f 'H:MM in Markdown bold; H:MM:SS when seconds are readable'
**6:00**
